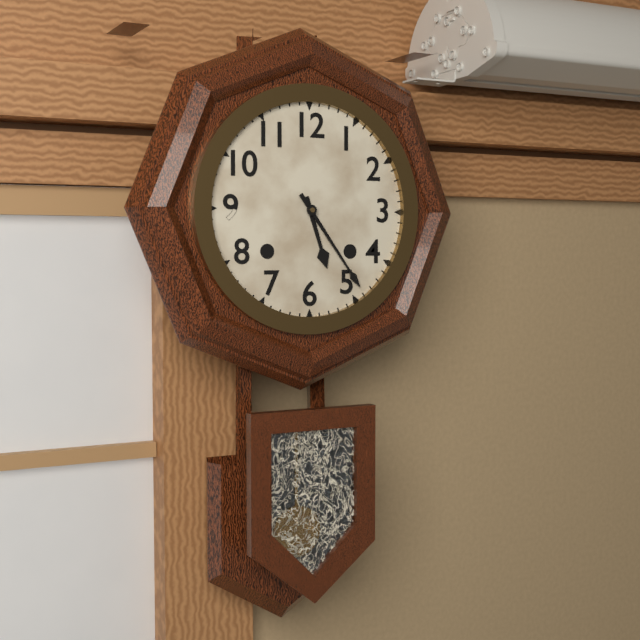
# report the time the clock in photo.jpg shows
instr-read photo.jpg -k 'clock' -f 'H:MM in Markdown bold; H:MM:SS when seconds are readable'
**5:24**
